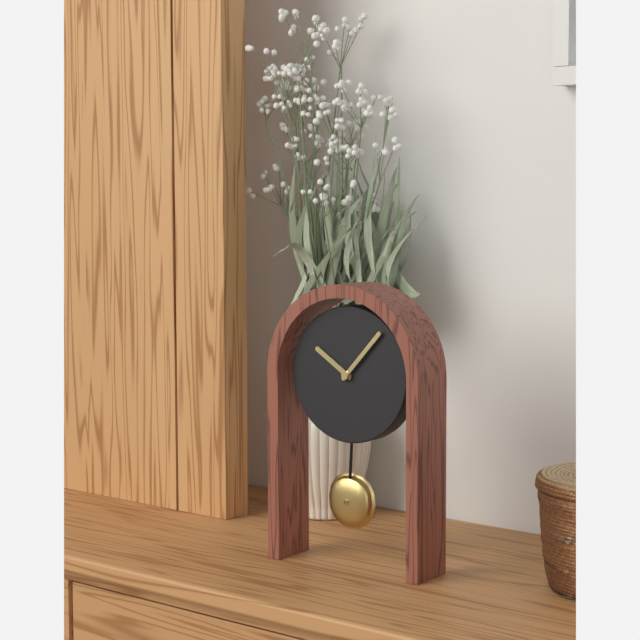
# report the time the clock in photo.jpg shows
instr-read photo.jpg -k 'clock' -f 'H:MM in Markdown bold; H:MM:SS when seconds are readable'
**10:07**
